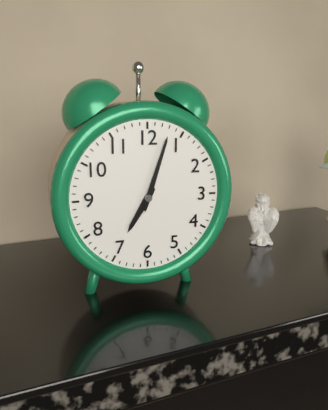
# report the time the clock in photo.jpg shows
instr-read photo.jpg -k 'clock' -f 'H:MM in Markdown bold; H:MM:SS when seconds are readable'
**7:03**
